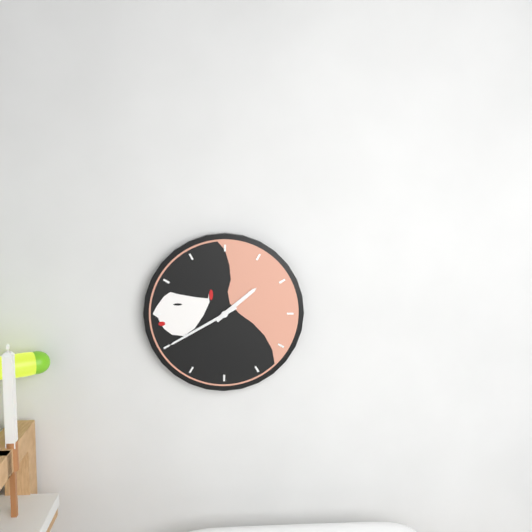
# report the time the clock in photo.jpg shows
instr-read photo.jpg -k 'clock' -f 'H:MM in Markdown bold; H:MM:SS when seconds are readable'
**1:40**
